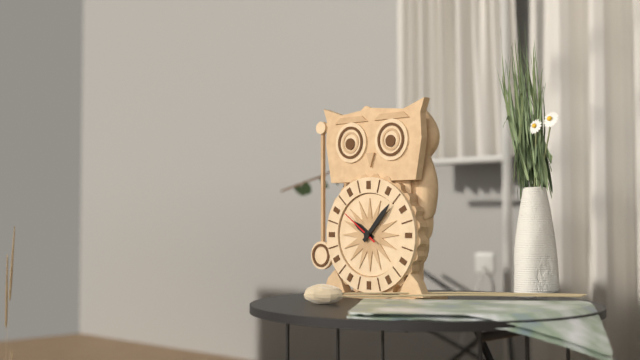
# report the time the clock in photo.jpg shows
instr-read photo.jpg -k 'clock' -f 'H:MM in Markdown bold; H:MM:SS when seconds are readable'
**10:07**
